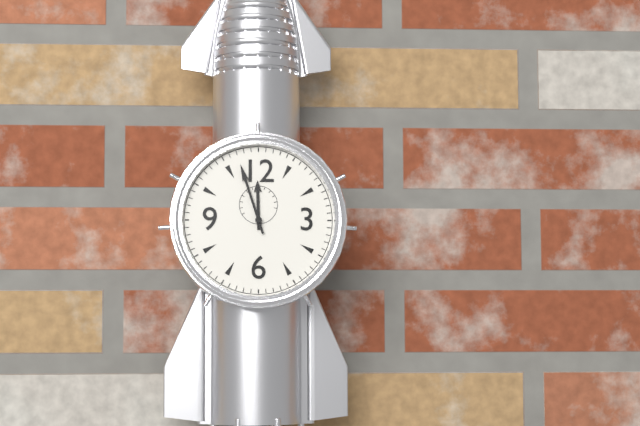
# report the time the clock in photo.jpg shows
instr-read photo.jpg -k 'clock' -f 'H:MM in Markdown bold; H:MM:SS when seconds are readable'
**11:57**
